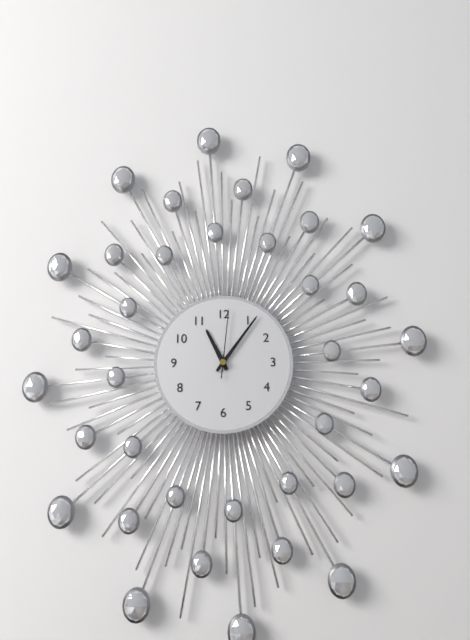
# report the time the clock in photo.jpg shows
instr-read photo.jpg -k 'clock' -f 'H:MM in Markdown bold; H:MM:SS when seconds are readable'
**11:06:01**
